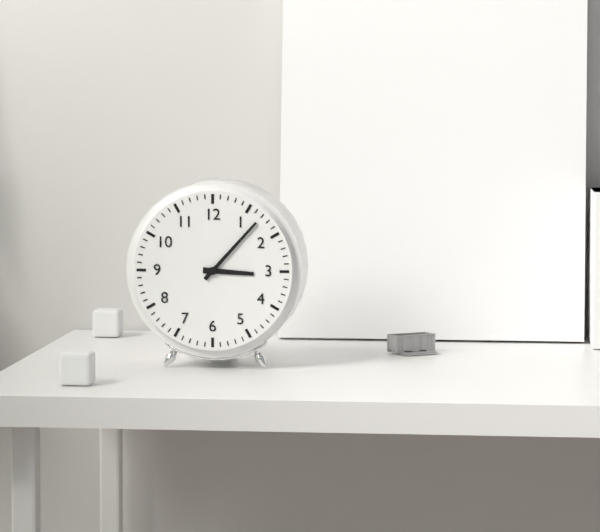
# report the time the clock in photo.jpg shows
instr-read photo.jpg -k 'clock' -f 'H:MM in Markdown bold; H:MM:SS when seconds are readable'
**3:07**
